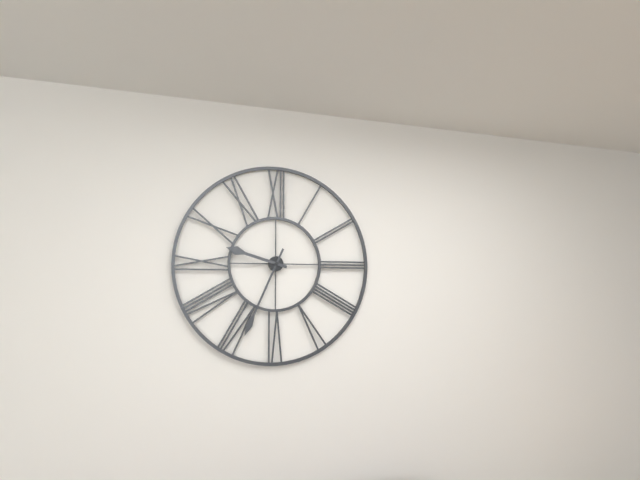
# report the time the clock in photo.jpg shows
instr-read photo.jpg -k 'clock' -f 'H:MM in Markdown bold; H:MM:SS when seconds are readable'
**9:34**
